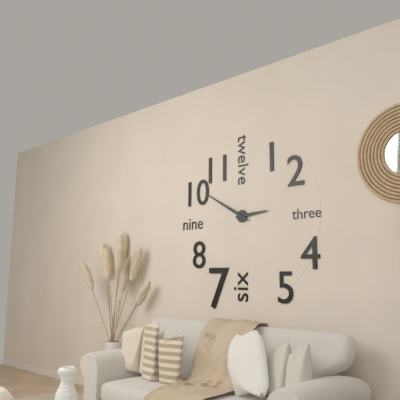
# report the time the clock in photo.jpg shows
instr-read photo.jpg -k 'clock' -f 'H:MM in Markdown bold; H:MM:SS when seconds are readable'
**2:50**
